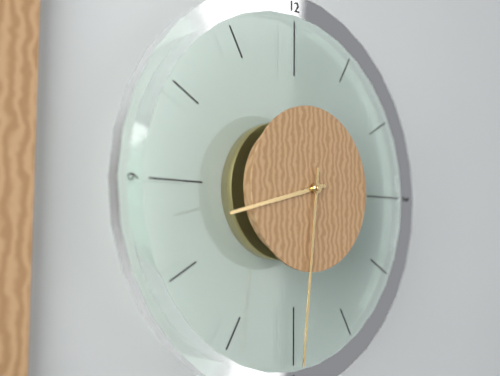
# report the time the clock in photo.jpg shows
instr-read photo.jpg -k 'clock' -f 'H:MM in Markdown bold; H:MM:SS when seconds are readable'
**8:31**
